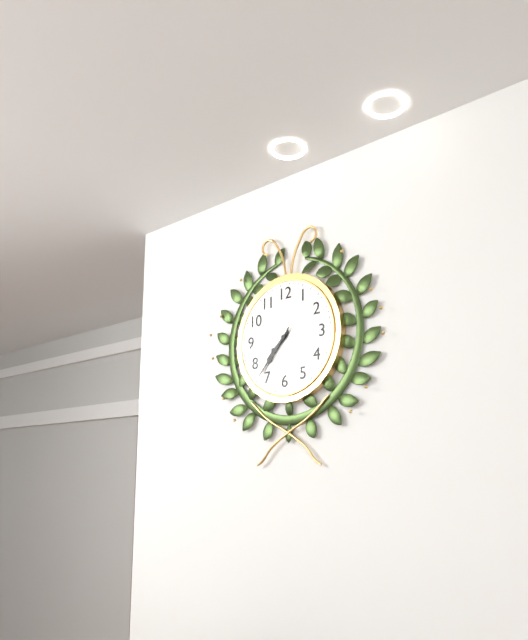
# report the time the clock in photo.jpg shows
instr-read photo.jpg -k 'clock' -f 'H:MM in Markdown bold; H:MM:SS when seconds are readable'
**7:37:36**
